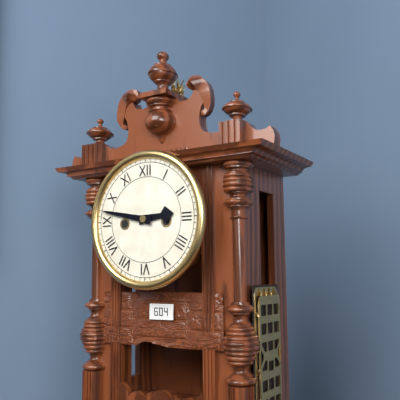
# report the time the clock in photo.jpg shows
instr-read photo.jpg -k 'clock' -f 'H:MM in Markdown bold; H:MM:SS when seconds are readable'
**2:47**
